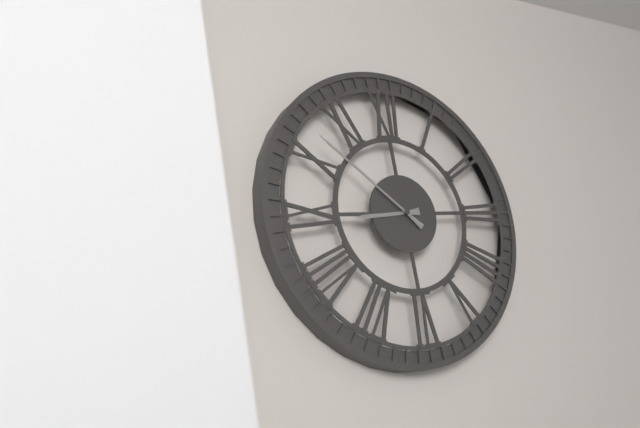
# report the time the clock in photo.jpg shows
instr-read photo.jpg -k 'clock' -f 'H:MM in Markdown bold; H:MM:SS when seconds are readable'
**8:52**
